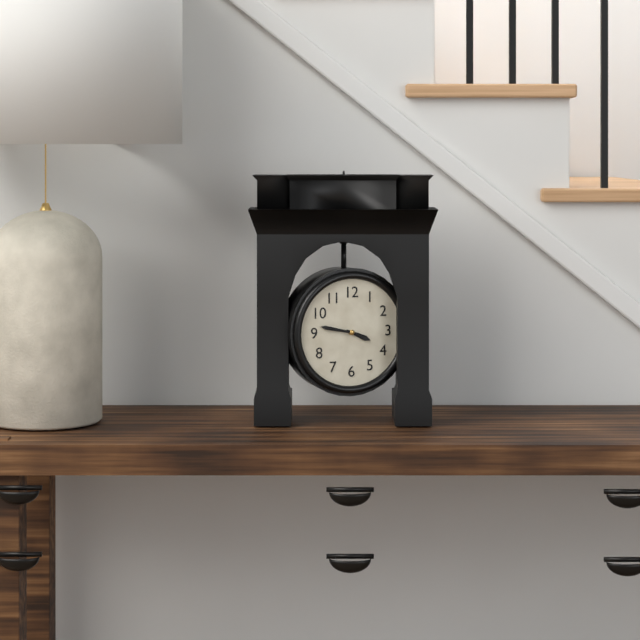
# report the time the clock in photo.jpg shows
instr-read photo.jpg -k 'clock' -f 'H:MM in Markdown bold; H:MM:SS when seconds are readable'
**3:47**
